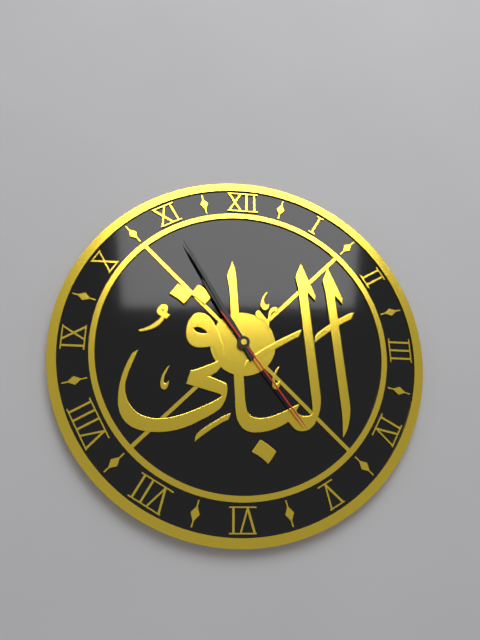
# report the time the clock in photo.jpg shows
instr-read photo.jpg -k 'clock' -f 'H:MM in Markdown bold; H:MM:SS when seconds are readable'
**10:55:24**
